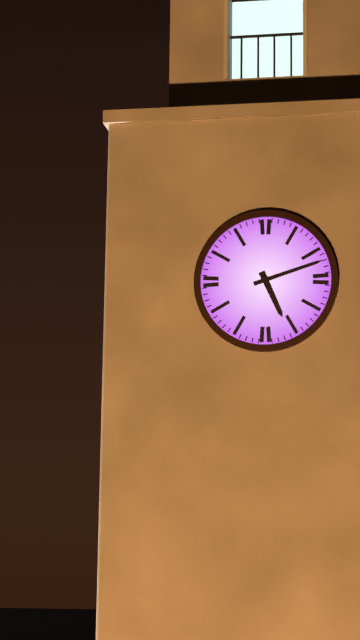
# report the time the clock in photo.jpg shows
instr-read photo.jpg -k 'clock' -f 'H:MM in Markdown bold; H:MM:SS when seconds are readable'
**5:12**
